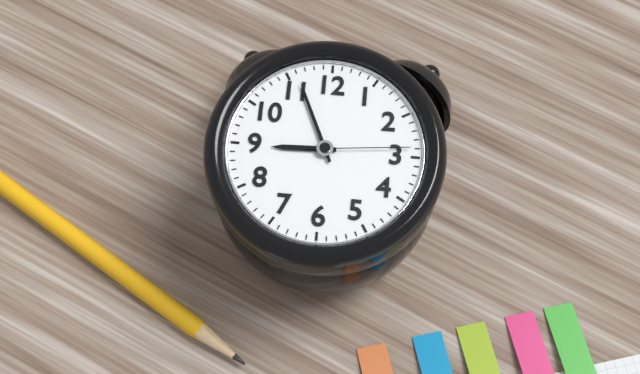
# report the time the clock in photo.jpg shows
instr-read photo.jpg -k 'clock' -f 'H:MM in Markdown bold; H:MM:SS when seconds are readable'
**8:56:14**
